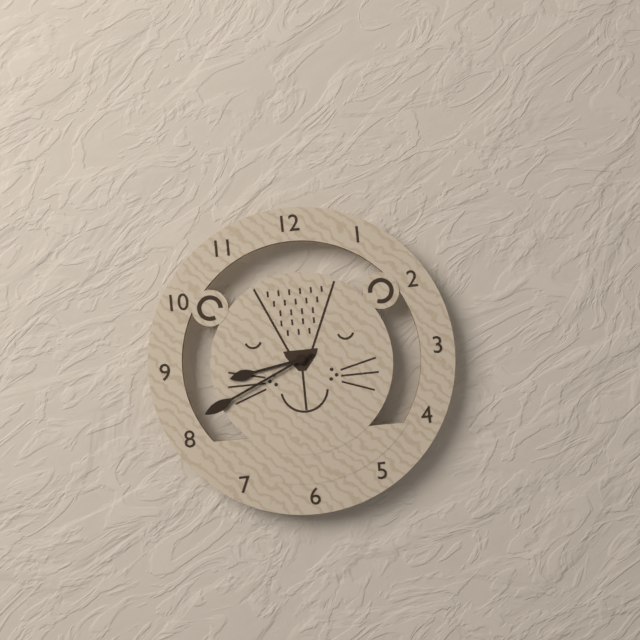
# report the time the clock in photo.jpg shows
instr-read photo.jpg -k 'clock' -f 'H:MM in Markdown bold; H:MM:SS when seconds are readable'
**8:41**
